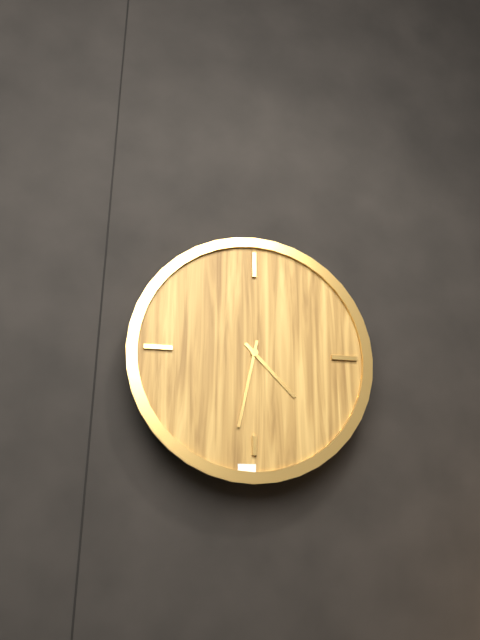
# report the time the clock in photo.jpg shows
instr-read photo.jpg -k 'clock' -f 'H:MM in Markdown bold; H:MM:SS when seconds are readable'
**4:32**
